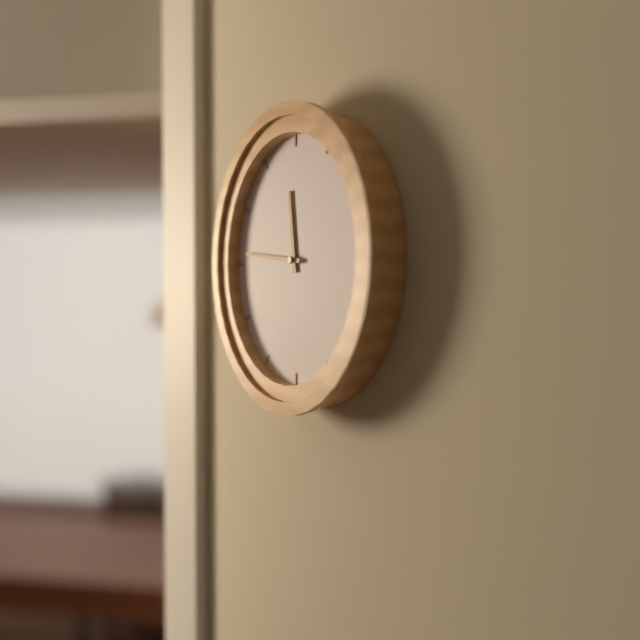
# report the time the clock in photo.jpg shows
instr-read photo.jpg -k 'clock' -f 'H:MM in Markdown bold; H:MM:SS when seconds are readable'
**11:46**
